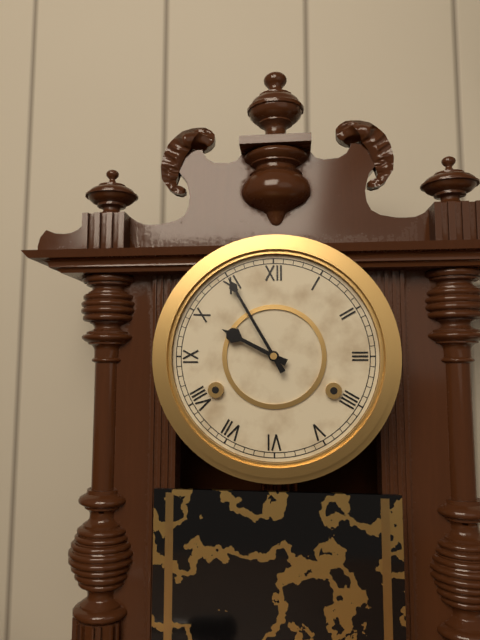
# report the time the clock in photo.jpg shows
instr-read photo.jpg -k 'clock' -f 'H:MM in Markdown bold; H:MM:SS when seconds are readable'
**9:55**
